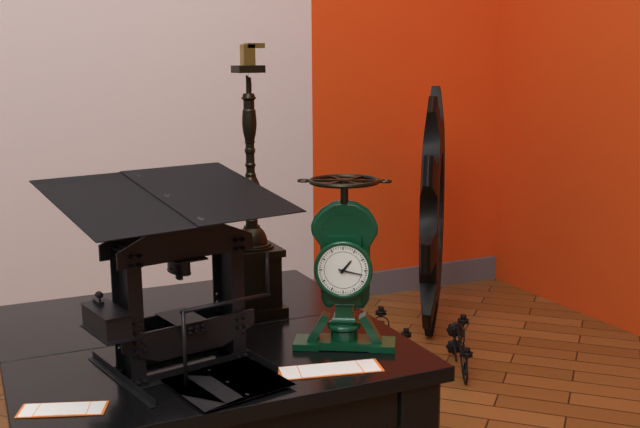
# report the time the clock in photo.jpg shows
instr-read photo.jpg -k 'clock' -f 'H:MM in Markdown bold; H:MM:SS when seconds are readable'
**1:17**
